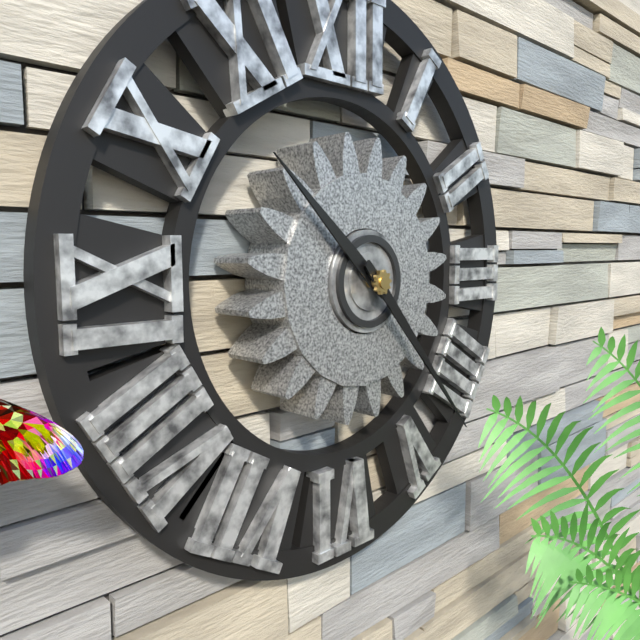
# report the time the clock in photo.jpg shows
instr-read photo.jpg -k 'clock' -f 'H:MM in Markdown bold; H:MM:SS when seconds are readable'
**10:23**
